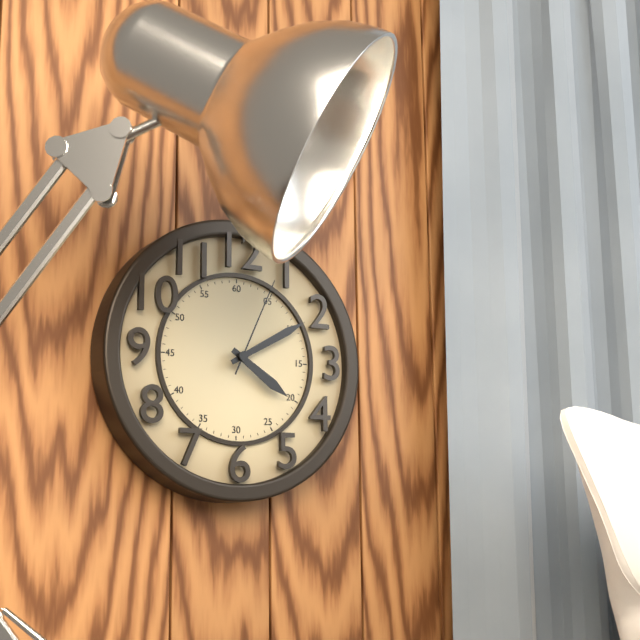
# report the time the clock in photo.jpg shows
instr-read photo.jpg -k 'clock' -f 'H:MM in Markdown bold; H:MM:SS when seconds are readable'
**4:10:04**
